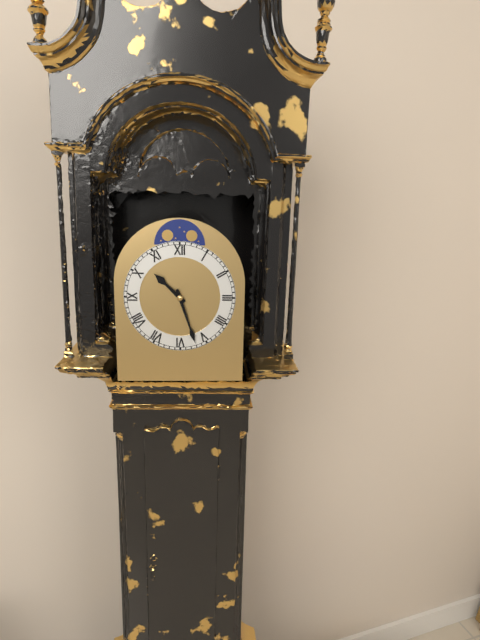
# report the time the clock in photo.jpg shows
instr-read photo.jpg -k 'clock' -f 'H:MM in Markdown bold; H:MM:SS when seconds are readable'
**10:27**
